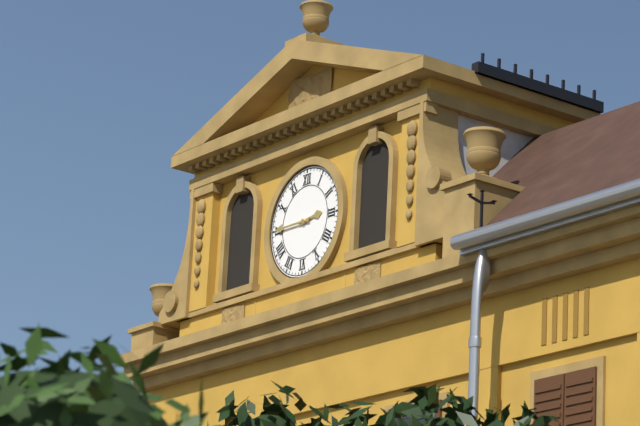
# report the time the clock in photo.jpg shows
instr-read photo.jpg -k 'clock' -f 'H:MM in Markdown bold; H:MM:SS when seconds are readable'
**2:45**
